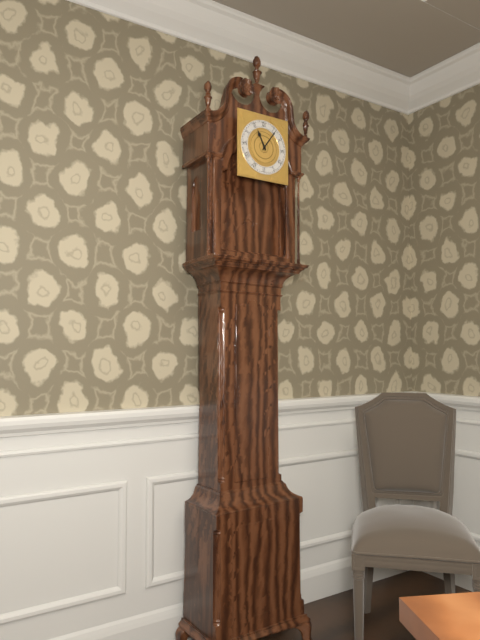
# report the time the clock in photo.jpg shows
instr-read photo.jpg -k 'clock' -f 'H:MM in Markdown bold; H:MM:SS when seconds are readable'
**11:06**
